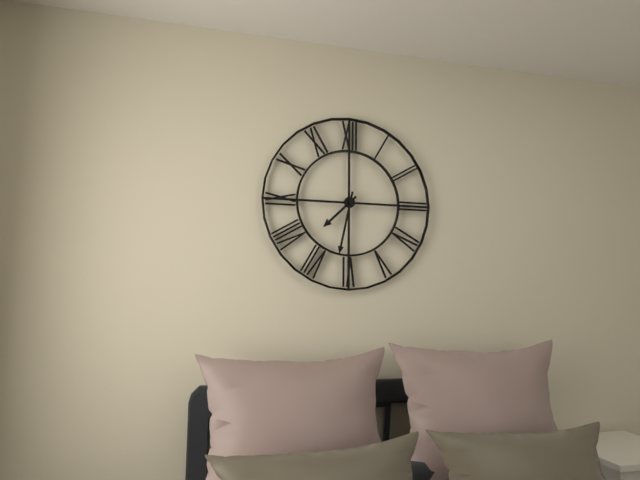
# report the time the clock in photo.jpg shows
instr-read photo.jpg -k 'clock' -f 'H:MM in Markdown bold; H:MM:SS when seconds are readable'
**7:32**
